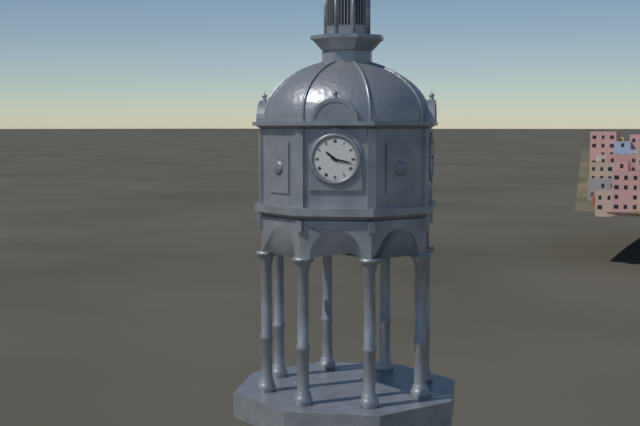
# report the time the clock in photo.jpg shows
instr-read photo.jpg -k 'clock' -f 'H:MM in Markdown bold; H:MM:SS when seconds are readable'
**10:17**
